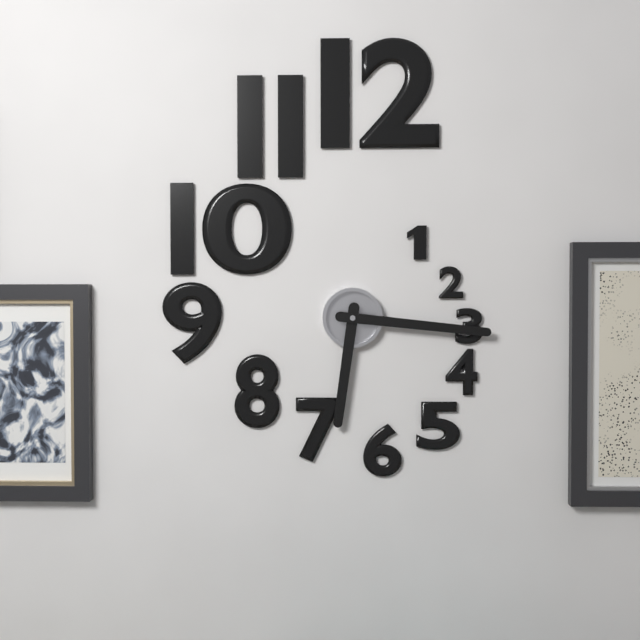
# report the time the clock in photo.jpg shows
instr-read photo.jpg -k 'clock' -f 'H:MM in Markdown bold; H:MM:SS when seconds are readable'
**6:16**
